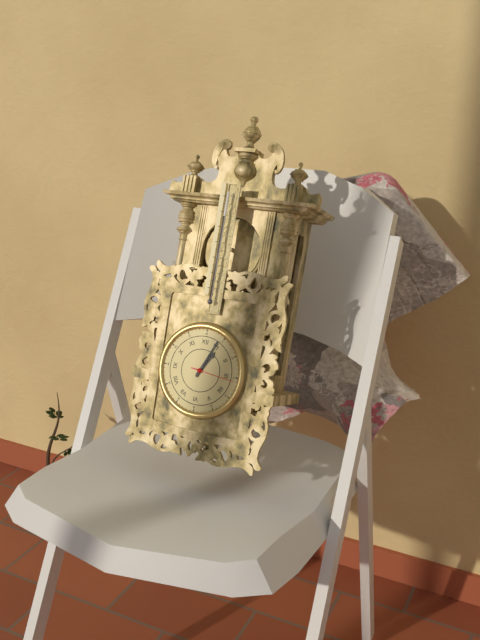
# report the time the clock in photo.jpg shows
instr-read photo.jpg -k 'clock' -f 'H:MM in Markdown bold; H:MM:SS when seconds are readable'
**1:04**
